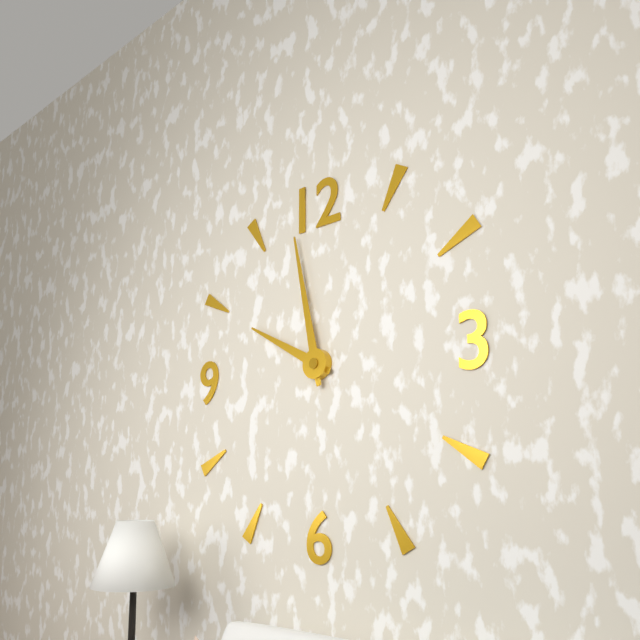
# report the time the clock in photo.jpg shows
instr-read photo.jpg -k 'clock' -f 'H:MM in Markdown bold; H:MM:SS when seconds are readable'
**9:58**
